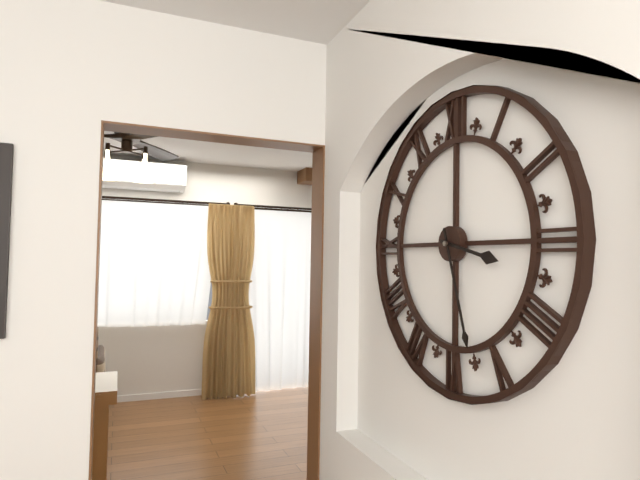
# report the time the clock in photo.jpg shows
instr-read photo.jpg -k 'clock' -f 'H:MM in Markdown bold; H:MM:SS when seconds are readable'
**3:27**
